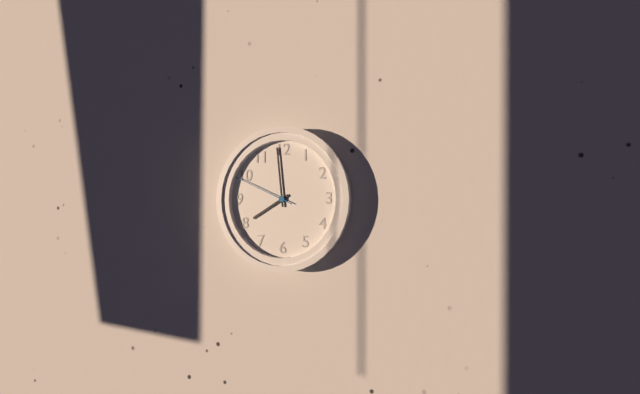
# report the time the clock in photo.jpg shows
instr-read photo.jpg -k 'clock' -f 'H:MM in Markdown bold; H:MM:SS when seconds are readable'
**7:59:49**
